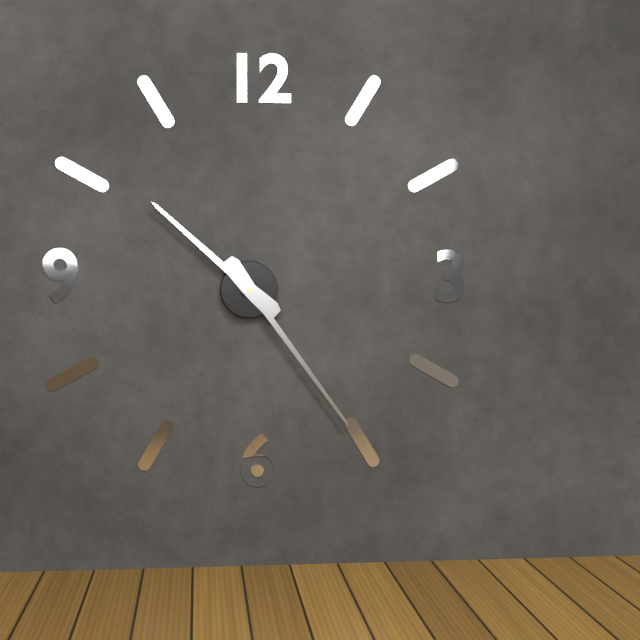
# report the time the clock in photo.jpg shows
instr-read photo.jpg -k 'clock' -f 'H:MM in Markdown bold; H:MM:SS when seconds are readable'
**10:24**
